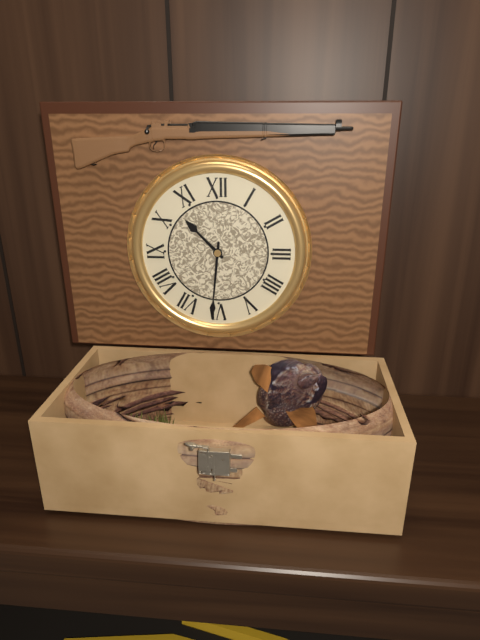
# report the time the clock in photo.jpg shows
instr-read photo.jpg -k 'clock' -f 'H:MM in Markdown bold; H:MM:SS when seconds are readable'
**10:31**
